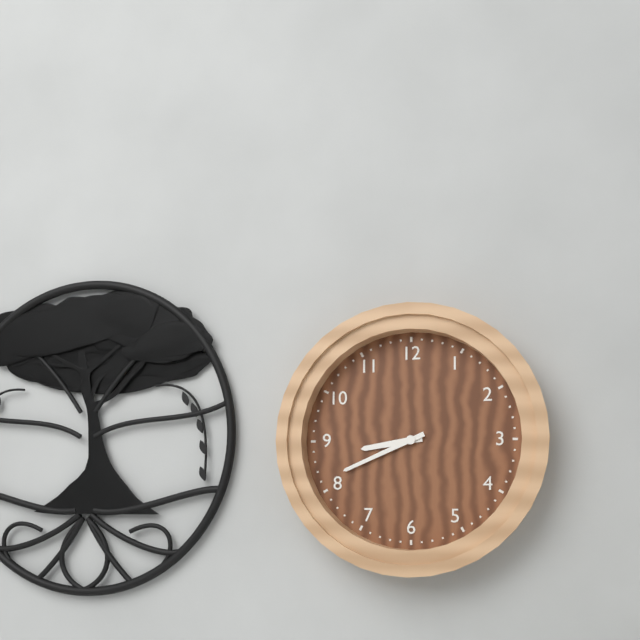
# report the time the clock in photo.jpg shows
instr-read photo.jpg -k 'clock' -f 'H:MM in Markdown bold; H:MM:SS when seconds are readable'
**8:41**
